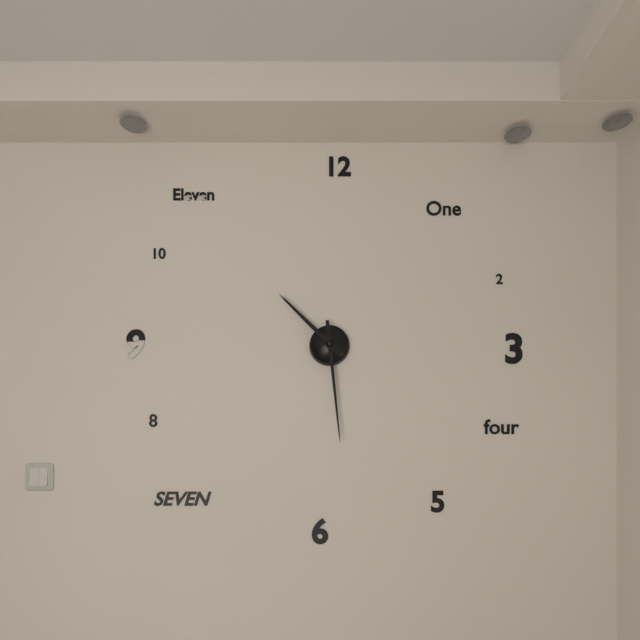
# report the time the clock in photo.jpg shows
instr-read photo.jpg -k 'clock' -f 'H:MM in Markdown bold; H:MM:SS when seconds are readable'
**10:29**
